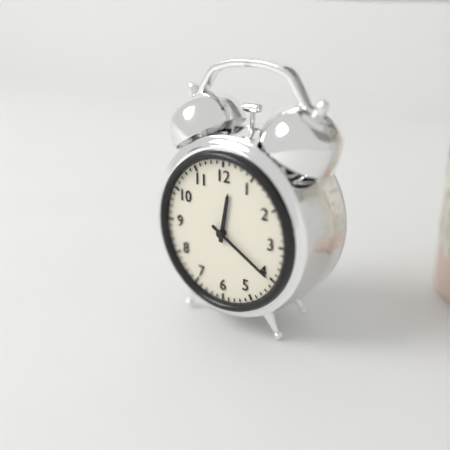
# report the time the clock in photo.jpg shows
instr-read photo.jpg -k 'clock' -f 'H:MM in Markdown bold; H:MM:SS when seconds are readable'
**12:20**
